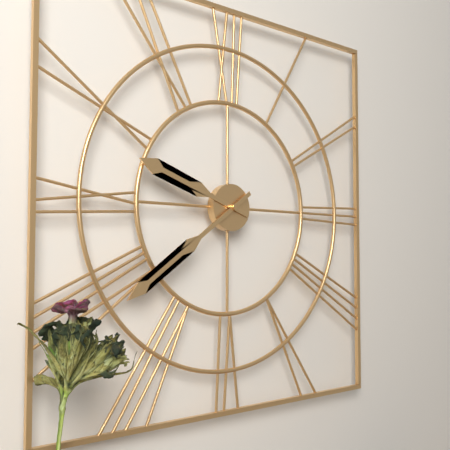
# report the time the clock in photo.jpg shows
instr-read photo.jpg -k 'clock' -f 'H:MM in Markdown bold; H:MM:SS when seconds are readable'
**9:39**
